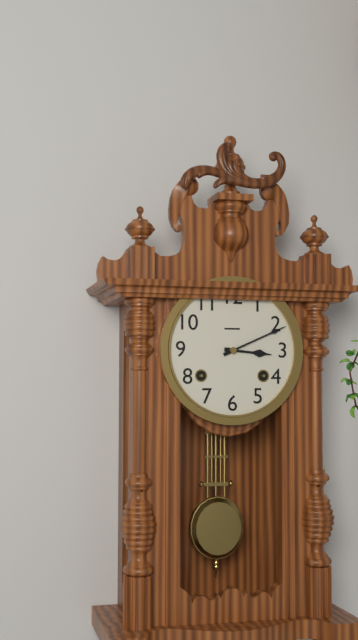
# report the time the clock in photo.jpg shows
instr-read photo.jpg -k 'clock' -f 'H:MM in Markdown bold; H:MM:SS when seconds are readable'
**3:11**
